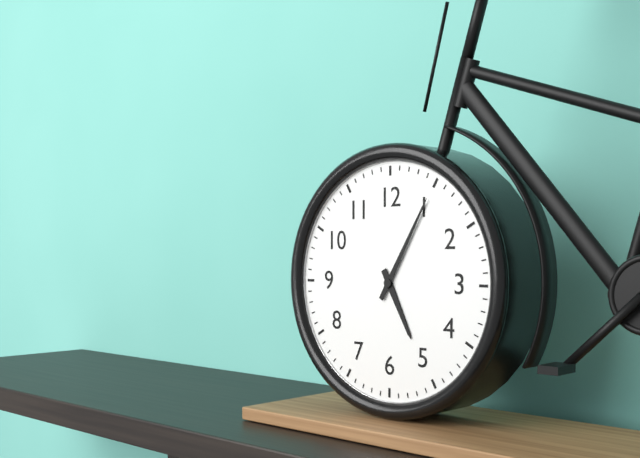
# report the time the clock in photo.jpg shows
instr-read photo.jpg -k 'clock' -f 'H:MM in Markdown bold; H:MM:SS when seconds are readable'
**5:05**
